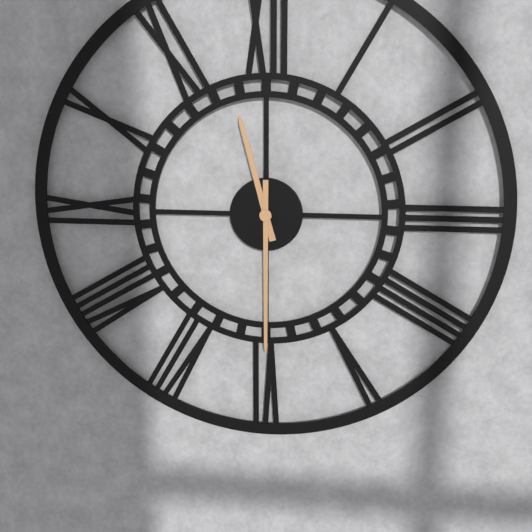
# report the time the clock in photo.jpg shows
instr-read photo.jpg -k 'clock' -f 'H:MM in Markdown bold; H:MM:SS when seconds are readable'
**11:30**
